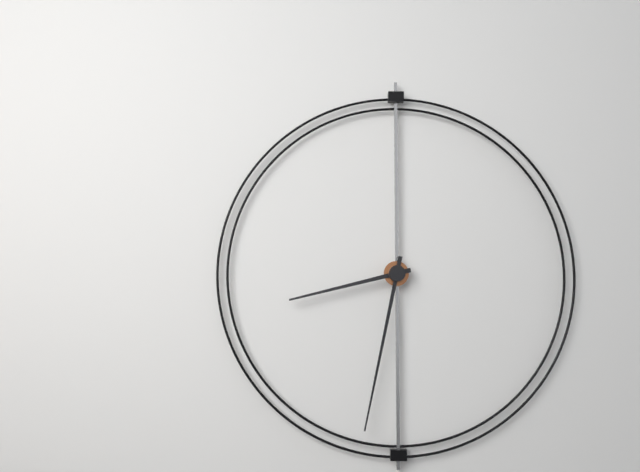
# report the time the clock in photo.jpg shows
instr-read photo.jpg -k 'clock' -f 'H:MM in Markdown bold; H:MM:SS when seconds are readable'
**8:32**
